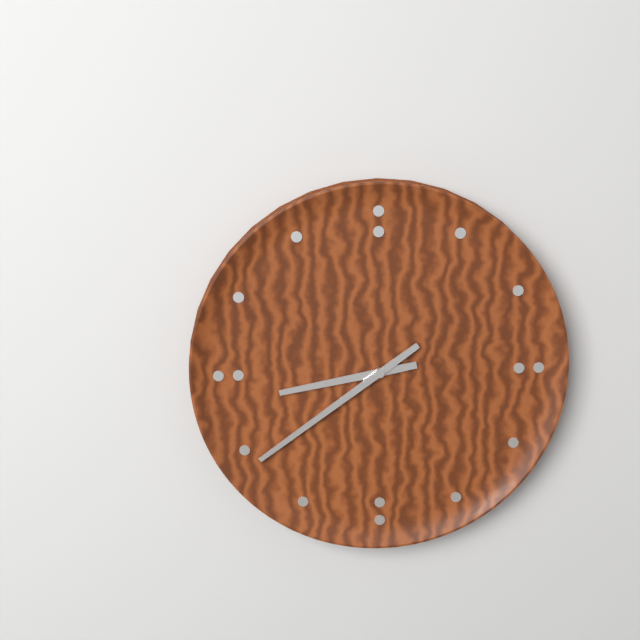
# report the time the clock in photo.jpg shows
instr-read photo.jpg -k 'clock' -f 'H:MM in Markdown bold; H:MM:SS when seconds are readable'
**8:39**
